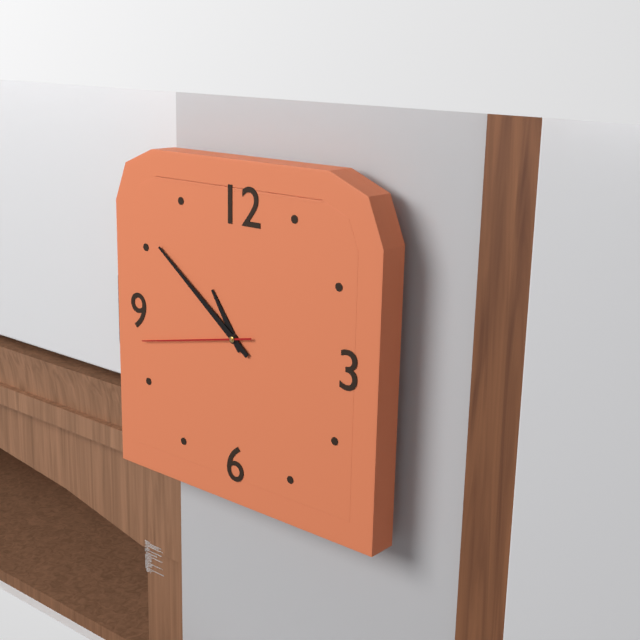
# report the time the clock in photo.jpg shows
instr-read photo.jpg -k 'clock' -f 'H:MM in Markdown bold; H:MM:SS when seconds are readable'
**10:51:43**
